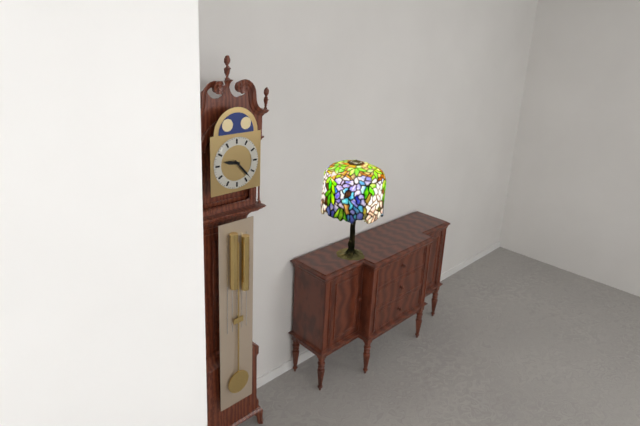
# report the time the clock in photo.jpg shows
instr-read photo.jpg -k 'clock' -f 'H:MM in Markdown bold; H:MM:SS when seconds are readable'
**9:23**
